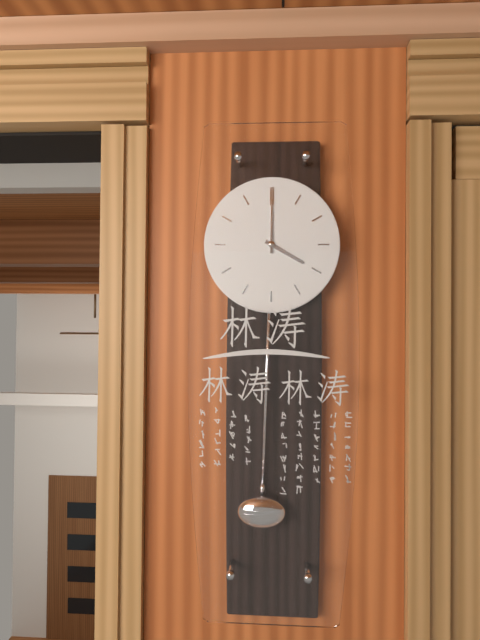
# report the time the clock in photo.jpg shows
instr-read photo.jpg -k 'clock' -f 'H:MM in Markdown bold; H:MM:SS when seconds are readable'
**4:00**
